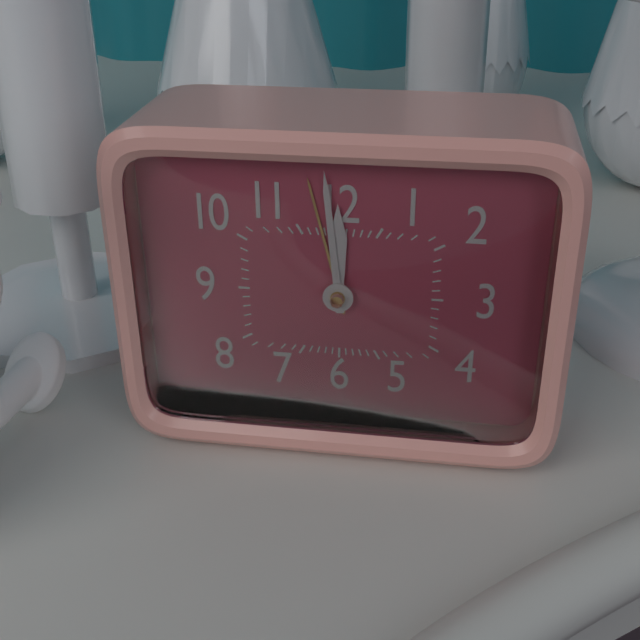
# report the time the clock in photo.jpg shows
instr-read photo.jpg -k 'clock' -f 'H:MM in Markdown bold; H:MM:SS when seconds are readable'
**11:59**
